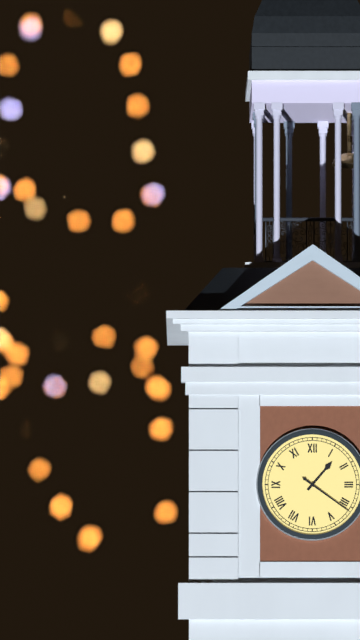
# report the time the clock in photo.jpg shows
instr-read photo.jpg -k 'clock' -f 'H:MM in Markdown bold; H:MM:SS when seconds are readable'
**1:21**
